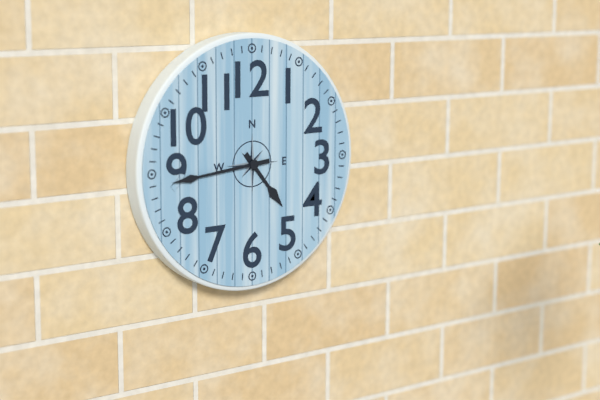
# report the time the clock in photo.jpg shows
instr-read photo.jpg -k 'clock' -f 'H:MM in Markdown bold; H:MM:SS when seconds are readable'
**4:44**
